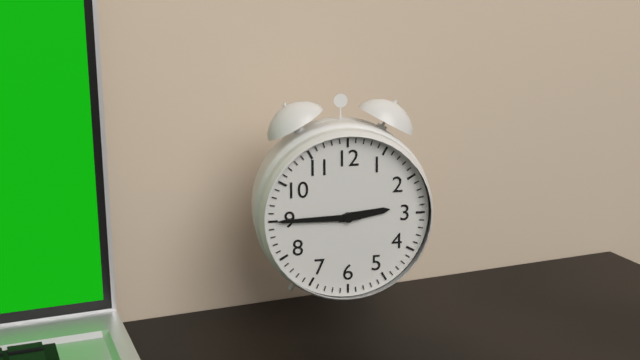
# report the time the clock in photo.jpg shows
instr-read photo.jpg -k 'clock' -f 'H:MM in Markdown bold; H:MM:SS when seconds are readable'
**2:45**
